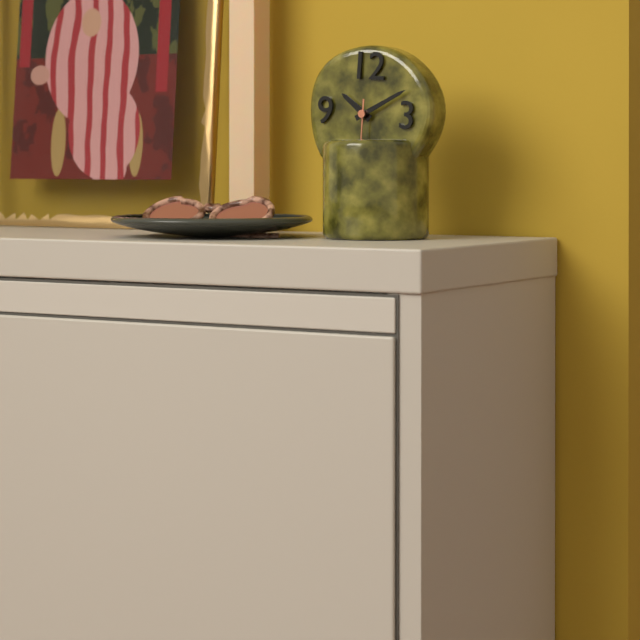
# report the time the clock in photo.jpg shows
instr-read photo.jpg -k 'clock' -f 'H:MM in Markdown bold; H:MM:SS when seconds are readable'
**10:10**
